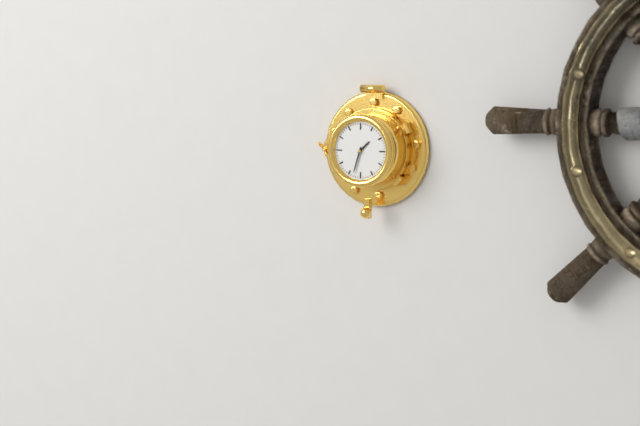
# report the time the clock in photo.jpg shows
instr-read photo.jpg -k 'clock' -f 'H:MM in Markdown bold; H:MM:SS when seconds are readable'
**1:33**
